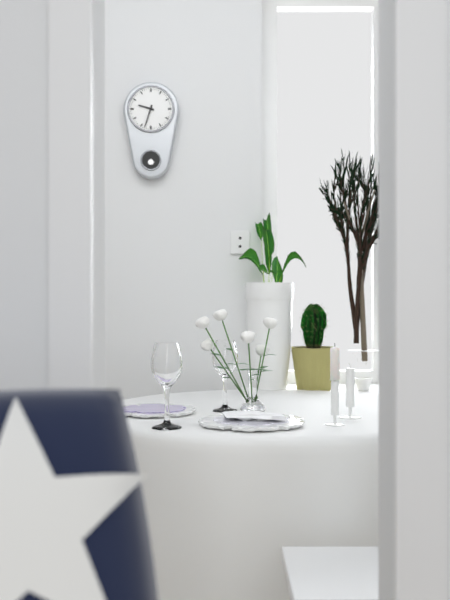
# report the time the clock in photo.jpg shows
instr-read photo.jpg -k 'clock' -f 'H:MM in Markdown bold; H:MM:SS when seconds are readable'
**9:33**
